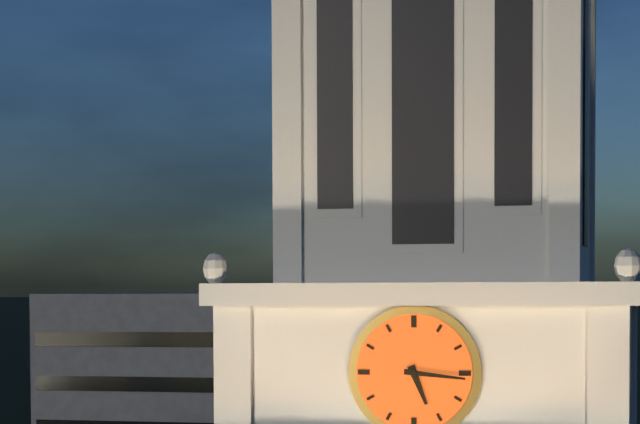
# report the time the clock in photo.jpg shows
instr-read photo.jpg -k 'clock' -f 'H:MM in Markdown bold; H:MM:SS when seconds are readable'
**5:16**
